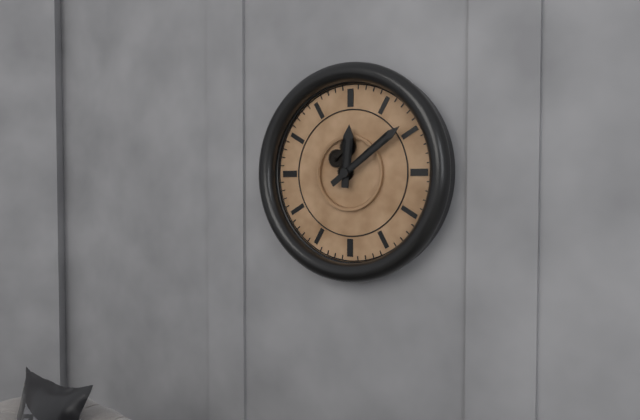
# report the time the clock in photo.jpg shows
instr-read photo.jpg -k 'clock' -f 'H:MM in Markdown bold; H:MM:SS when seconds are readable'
**12:09**
